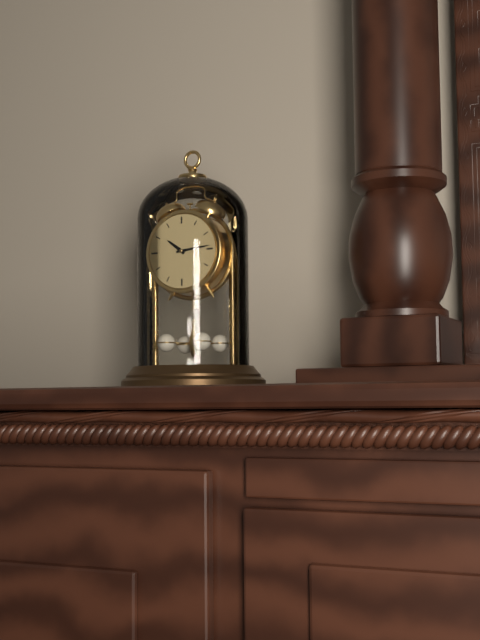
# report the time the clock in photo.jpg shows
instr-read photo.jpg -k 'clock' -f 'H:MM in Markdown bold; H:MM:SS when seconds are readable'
**10:14**
